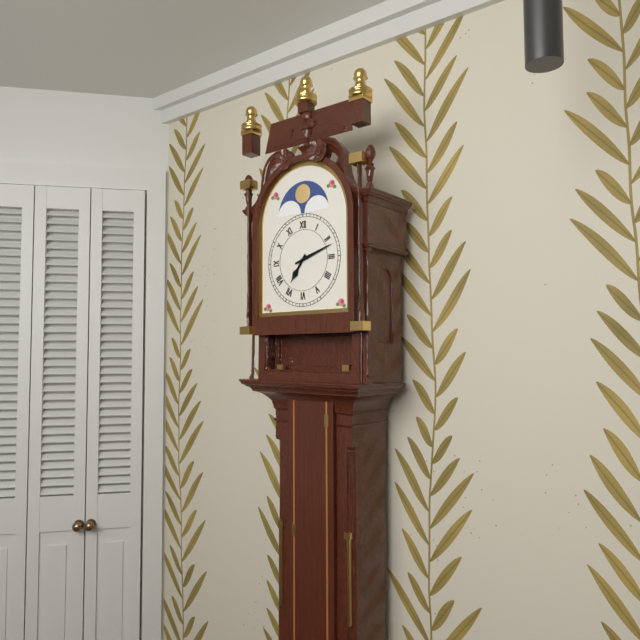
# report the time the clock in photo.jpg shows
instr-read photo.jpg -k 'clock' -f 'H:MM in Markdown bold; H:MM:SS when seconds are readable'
**7:12**
